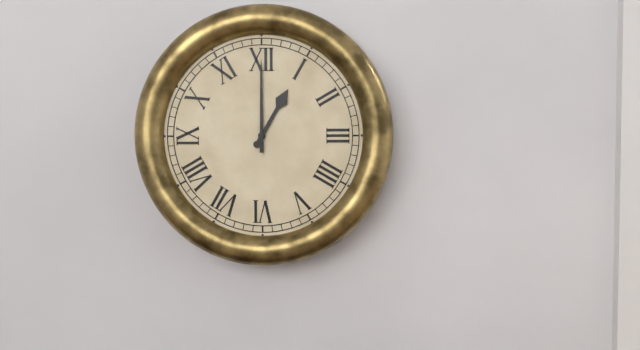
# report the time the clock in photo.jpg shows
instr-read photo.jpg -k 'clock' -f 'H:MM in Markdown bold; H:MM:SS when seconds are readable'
**1:00**
